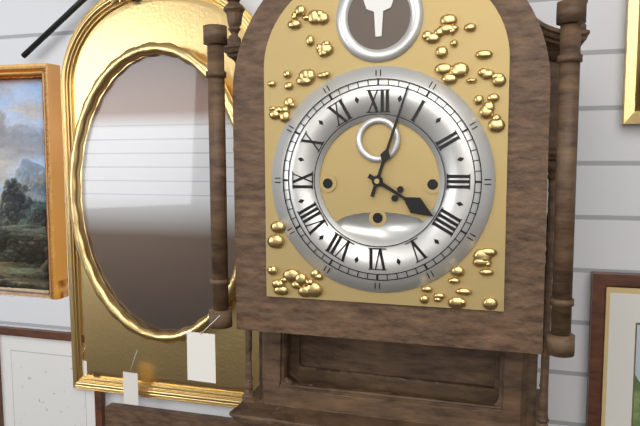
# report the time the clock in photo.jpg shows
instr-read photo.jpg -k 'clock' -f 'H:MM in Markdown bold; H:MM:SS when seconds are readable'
**4:03**
